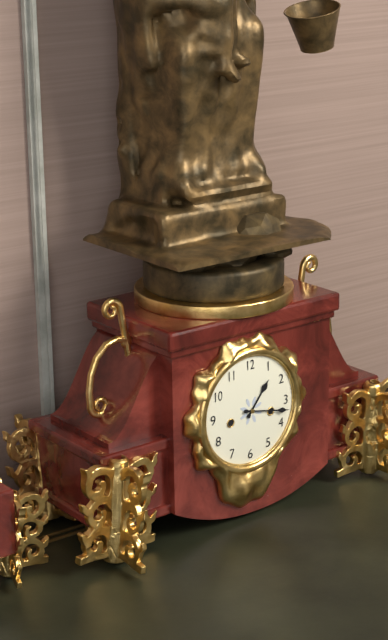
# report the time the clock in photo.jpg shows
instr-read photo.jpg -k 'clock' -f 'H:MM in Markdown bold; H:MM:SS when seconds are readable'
**1:17**
